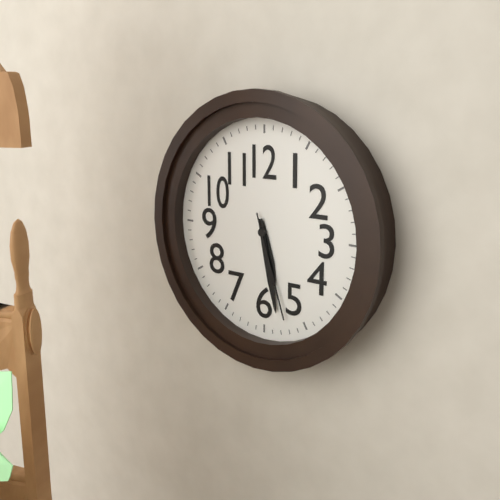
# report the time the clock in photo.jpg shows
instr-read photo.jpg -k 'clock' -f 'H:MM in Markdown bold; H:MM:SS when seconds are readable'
**5:28:27**
